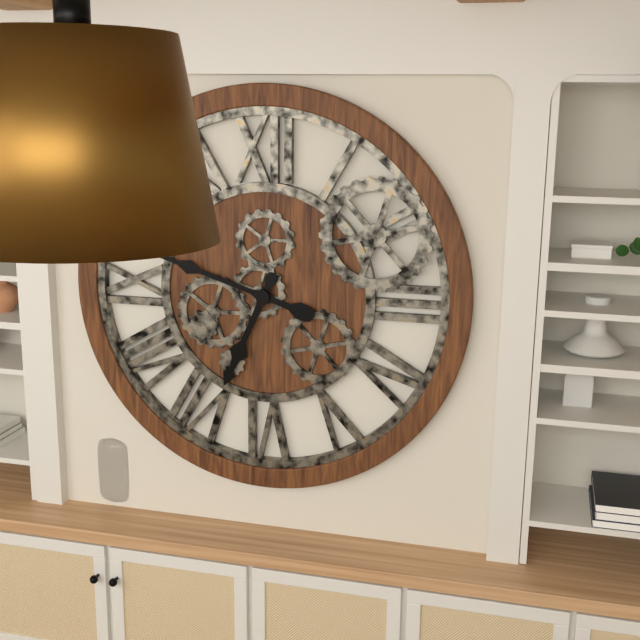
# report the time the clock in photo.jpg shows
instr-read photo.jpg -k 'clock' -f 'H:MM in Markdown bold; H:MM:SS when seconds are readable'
**6:48**
